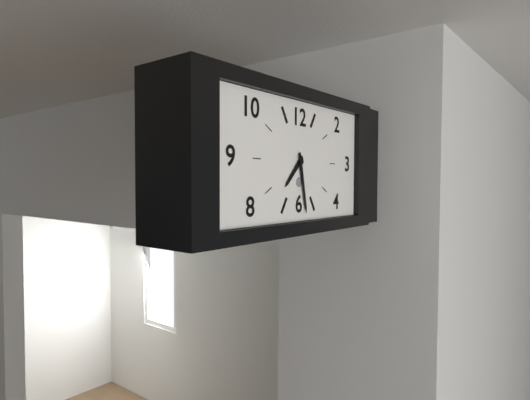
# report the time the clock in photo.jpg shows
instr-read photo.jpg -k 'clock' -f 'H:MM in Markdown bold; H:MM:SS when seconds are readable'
**7:28**
